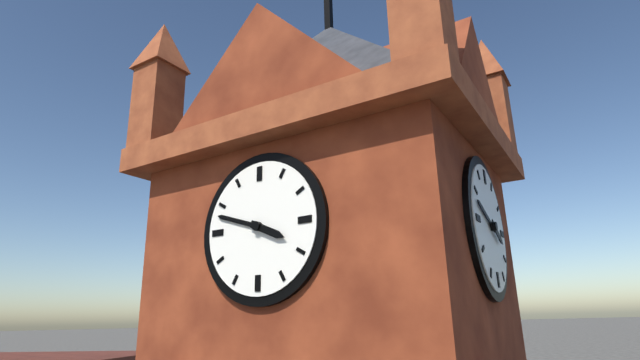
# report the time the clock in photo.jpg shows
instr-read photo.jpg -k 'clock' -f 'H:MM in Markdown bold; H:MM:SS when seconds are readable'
**3:48**
